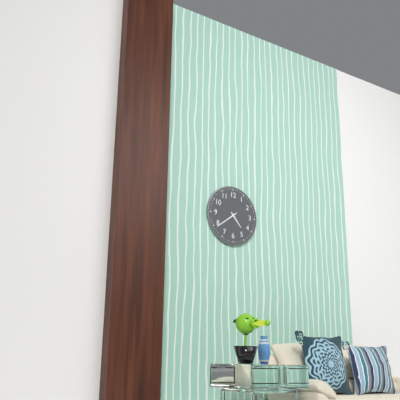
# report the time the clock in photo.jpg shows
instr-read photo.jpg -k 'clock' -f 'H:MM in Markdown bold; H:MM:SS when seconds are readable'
**4:39**
